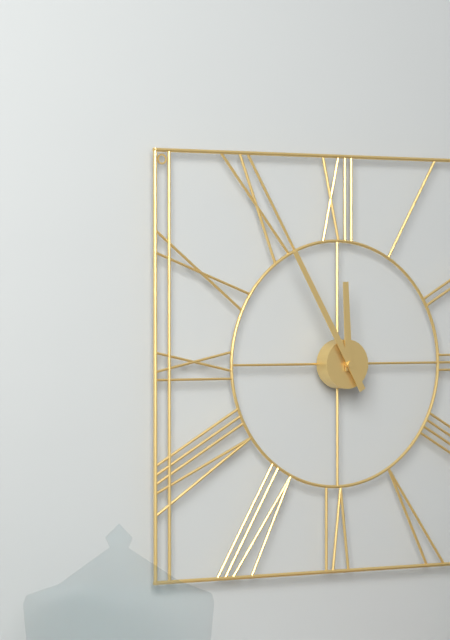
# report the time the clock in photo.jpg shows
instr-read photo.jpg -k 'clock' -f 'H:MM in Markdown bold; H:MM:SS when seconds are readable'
**11:55**
